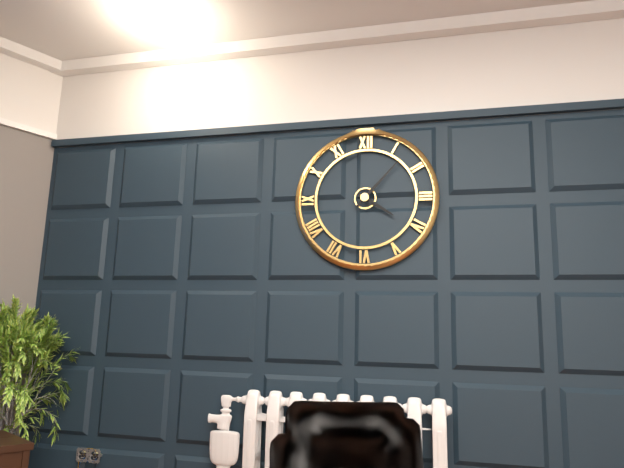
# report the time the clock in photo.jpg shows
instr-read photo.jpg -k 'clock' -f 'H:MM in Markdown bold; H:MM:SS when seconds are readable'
**4:07**
